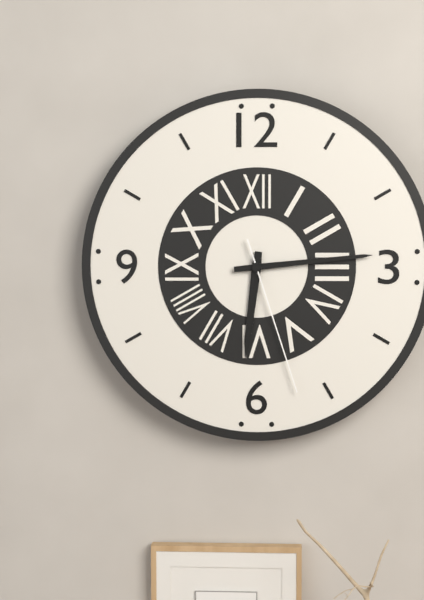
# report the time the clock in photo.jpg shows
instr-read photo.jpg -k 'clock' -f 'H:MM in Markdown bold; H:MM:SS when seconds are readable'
**6:14:27**
